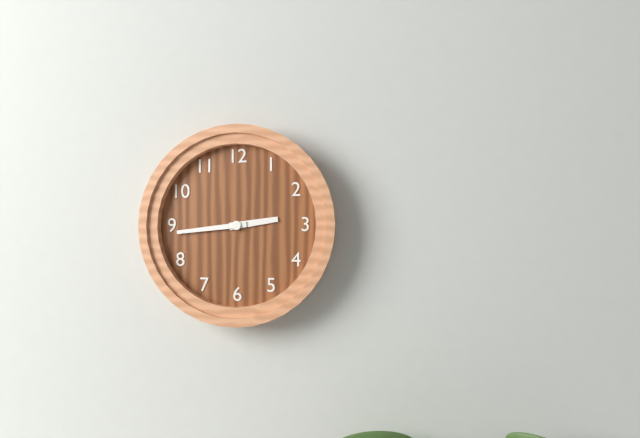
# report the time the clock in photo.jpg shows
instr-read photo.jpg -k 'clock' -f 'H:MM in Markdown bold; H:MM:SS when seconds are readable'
**2:44**
